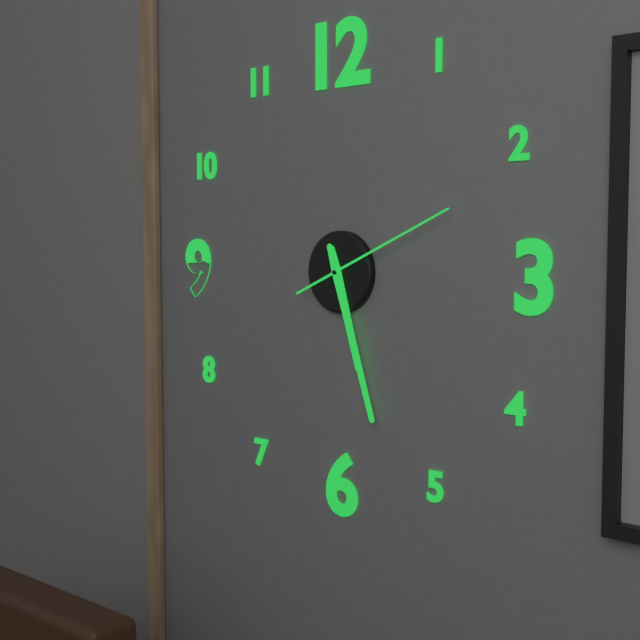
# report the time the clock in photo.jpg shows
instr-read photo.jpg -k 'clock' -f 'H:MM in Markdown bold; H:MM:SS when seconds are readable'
**5:27:11**
